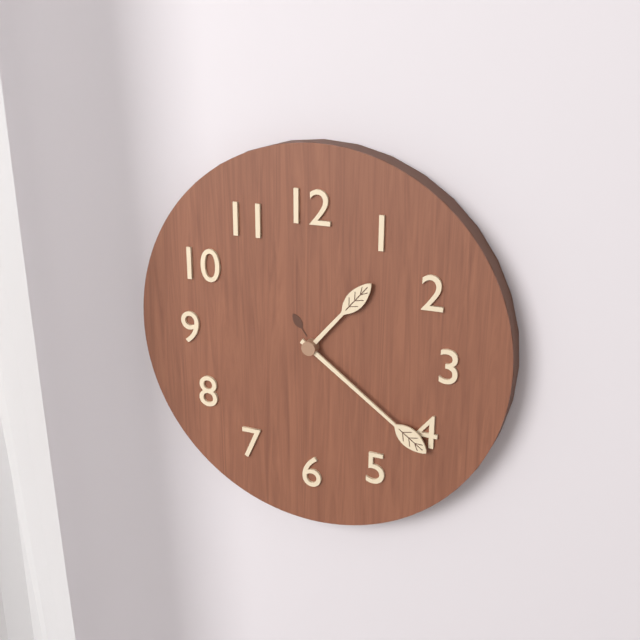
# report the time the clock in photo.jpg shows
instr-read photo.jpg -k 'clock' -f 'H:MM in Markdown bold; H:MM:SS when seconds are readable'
**1:21**
